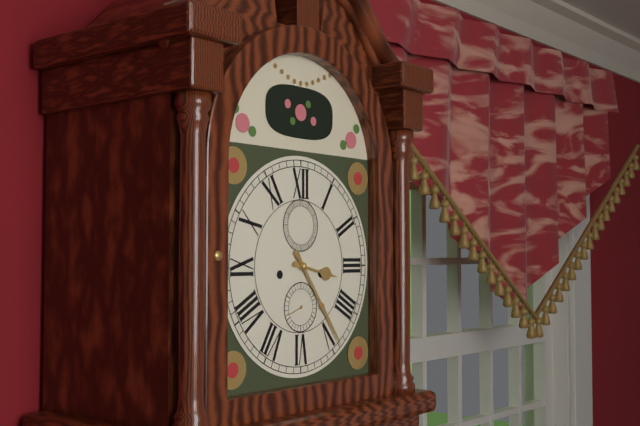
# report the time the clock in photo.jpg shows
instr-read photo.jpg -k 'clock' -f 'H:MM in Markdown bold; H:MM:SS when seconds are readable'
**3:24**
